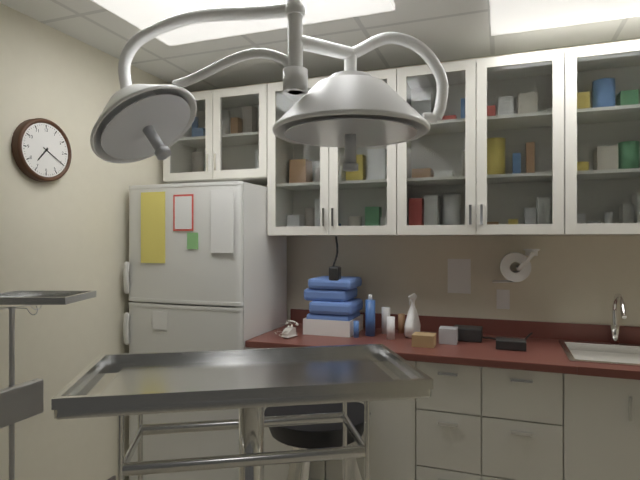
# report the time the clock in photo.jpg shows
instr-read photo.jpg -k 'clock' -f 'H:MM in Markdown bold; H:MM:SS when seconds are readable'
**7:20**
